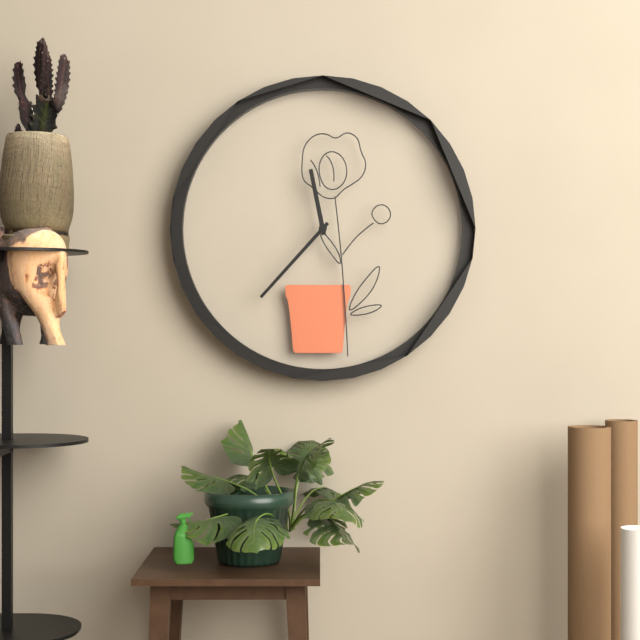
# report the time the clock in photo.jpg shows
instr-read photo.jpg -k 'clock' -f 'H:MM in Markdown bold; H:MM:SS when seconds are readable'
**11:37**
